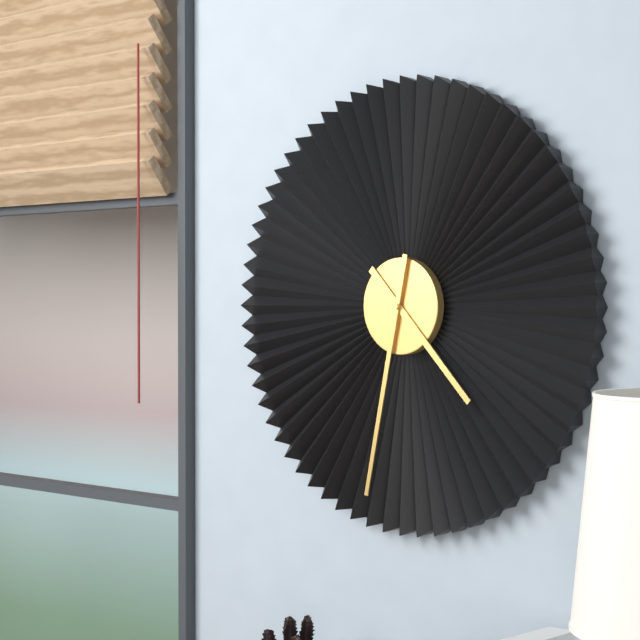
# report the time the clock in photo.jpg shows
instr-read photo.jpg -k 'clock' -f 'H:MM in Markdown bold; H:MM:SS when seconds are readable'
**4:32**
